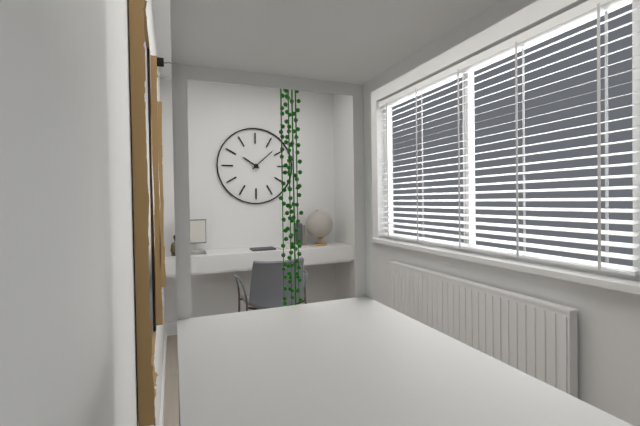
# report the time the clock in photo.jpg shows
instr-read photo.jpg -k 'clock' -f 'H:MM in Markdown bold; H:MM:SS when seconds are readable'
**10:08**
